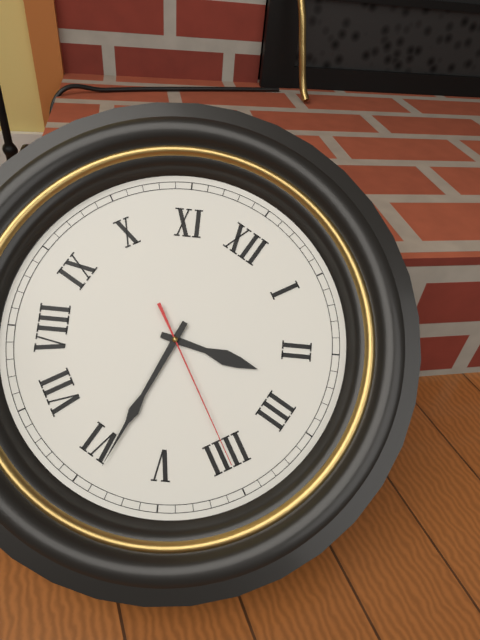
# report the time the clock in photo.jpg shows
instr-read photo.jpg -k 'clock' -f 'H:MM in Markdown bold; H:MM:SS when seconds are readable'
**2:29:20**
